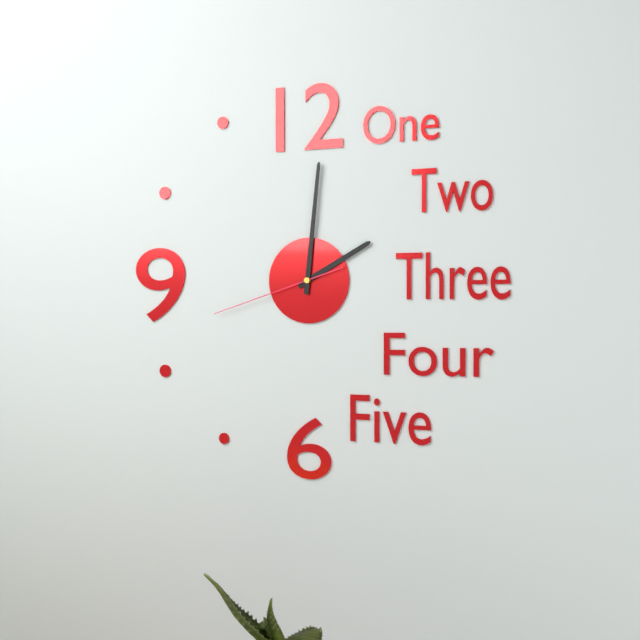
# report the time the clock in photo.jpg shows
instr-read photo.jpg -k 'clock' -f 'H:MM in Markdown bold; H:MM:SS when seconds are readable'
**2:01:42**
